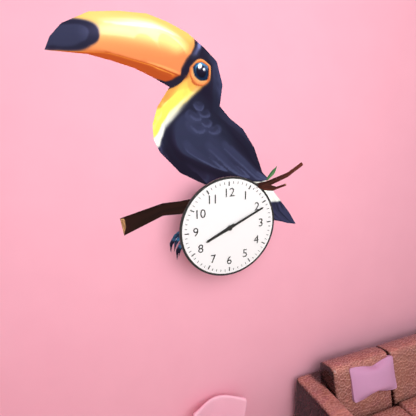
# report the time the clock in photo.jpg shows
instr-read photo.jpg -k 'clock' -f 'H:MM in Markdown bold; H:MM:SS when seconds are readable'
**8:11**
